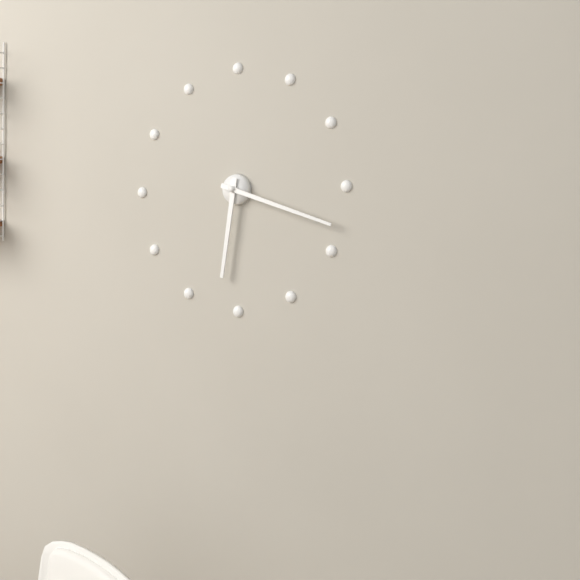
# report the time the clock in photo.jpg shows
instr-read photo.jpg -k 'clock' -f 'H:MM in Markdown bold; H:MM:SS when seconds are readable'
**6:18**
